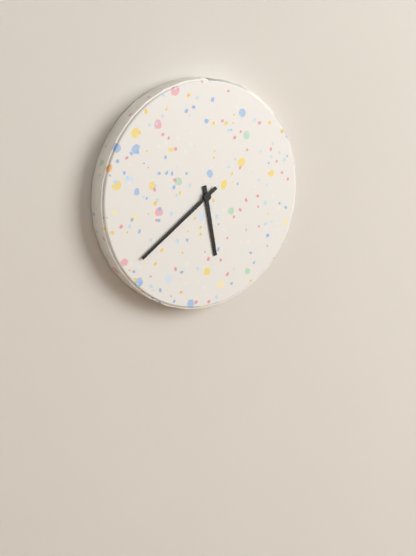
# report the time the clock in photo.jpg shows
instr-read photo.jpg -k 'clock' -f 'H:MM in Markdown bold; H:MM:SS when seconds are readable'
**5:39**
